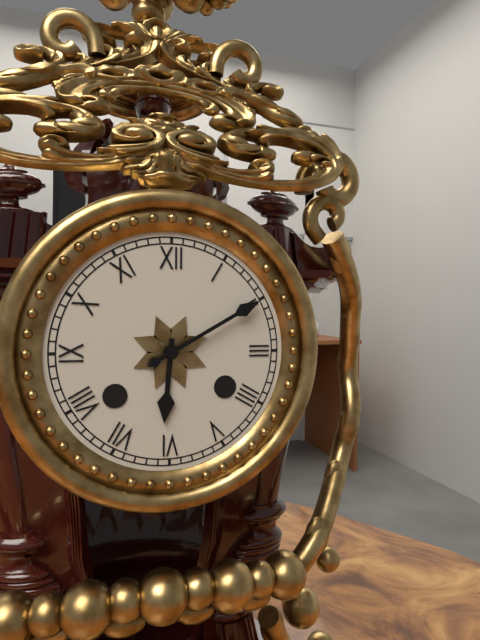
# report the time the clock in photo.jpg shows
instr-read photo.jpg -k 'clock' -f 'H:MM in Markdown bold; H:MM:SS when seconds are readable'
**6:10**
